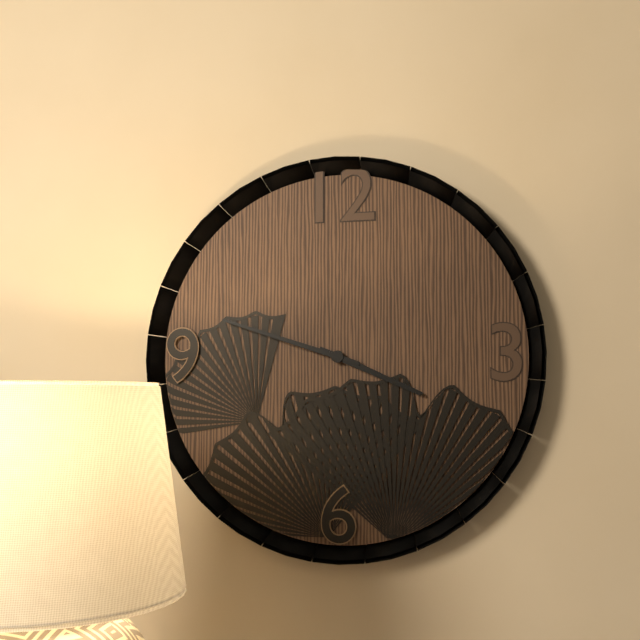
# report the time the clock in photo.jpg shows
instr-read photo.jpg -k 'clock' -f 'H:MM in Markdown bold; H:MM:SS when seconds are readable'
**3:48**
